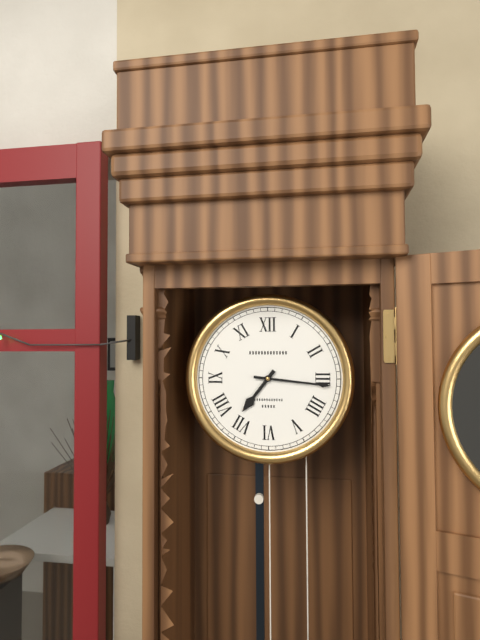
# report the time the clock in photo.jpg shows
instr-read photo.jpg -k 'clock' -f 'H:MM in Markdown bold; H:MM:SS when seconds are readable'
**7:16**
